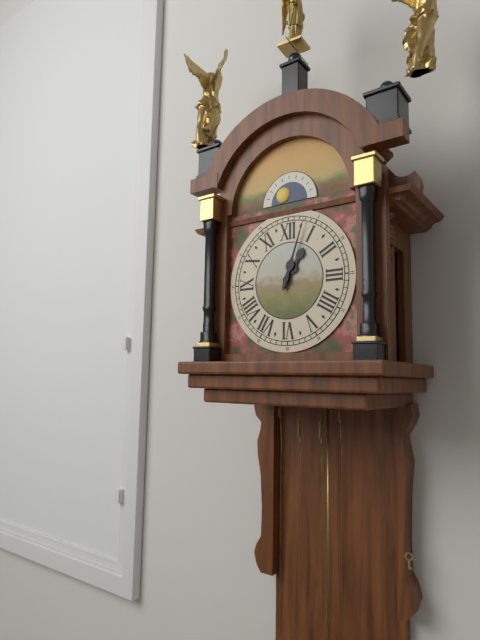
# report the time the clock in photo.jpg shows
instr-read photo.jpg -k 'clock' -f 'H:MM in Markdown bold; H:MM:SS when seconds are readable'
**1:03**
